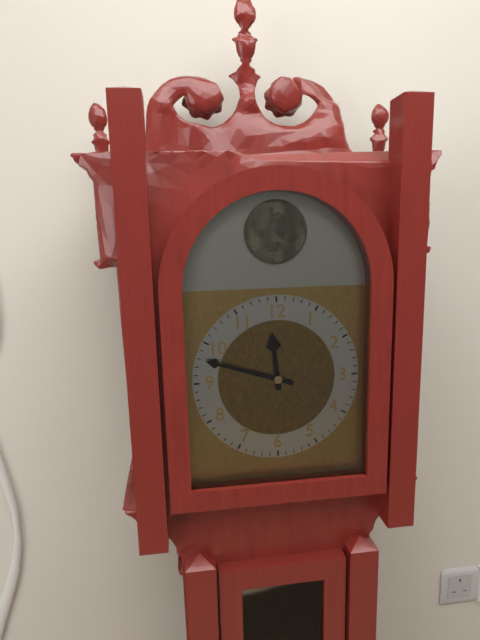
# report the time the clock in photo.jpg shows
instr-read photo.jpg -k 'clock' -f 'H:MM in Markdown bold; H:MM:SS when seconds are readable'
**11:48**
